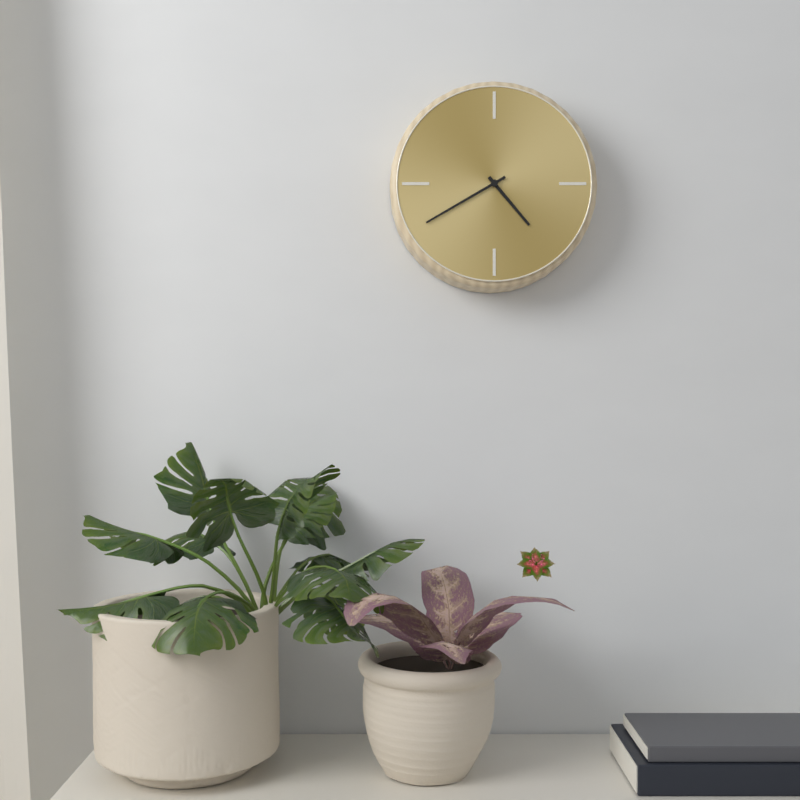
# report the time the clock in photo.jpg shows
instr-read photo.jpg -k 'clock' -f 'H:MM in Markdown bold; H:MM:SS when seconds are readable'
**4:40**
